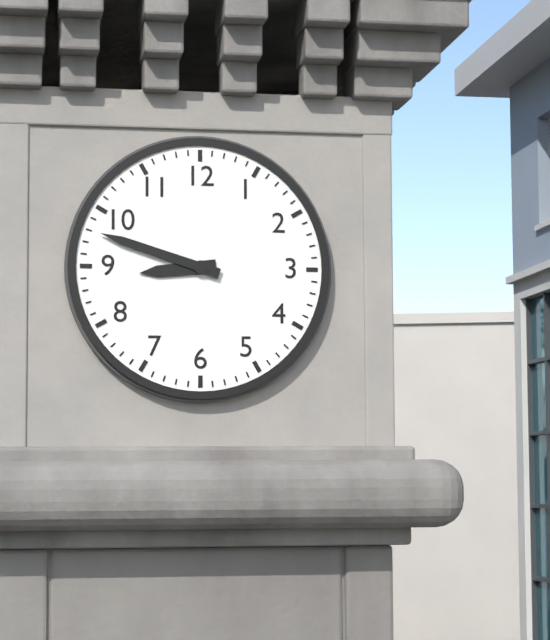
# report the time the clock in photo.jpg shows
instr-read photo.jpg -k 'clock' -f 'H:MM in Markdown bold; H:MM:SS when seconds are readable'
**8:48**
